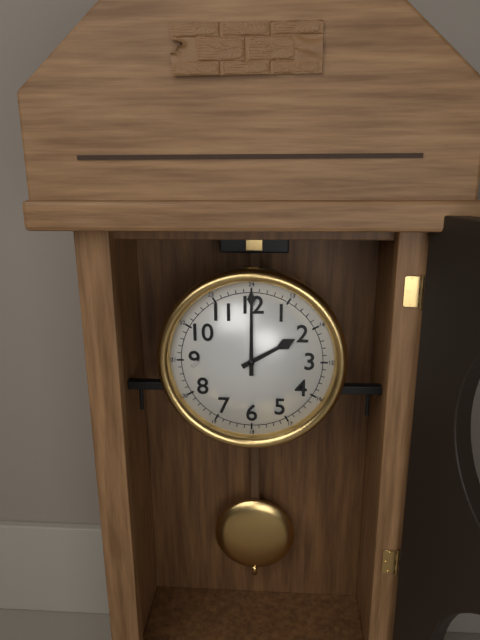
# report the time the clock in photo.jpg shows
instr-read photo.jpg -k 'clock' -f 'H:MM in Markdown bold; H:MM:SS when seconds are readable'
**2:00**
